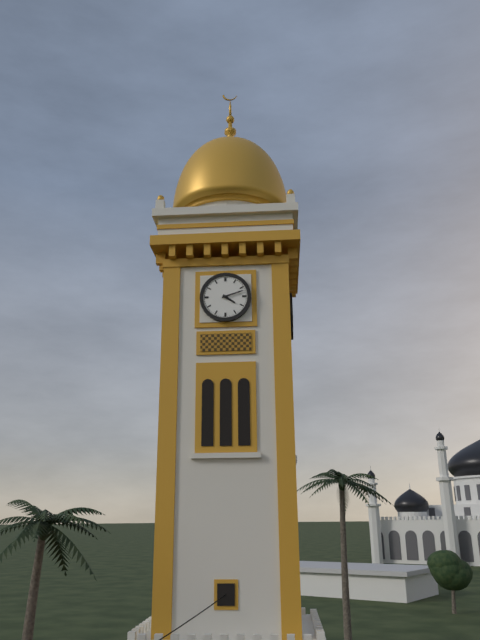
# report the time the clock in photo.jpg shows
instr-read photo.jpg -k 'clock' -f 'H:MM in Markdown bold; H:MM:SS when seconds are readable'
**4:12**
